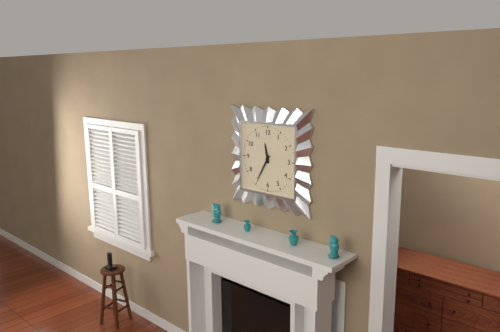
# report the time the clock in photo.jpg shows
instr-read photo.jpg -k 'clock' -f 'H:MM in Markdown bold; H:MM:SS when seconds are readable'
**11:35**
